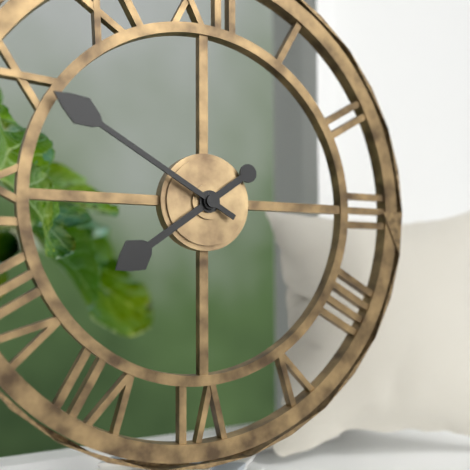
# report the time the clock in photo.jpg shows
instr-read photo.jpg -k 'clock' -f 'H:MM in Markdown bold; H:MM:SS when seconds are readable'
**7:50**
